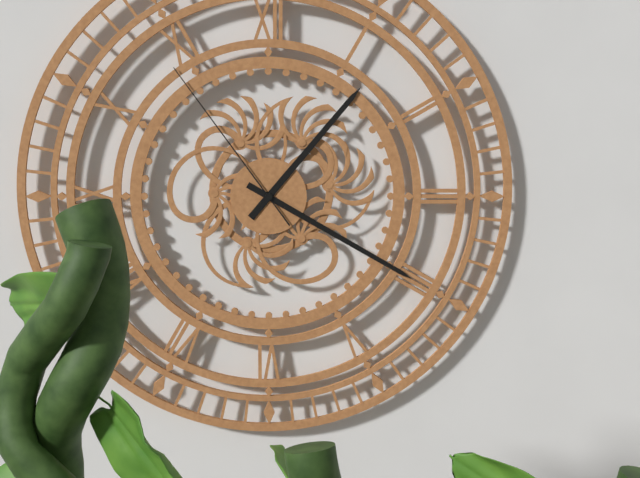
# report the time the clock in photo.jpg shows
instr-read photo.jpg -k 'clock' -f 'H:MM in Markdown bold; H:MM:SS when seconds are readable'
**1:20:54**
